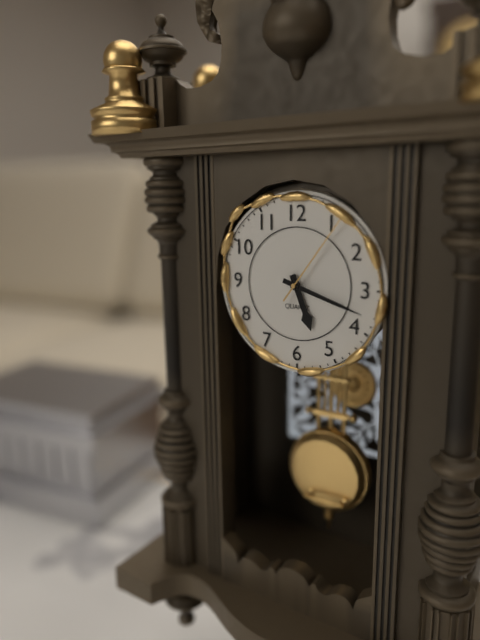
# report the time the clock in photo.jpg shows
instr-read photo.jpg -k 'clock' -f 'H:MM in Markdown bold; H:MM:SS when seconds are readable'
**5:18:06**
